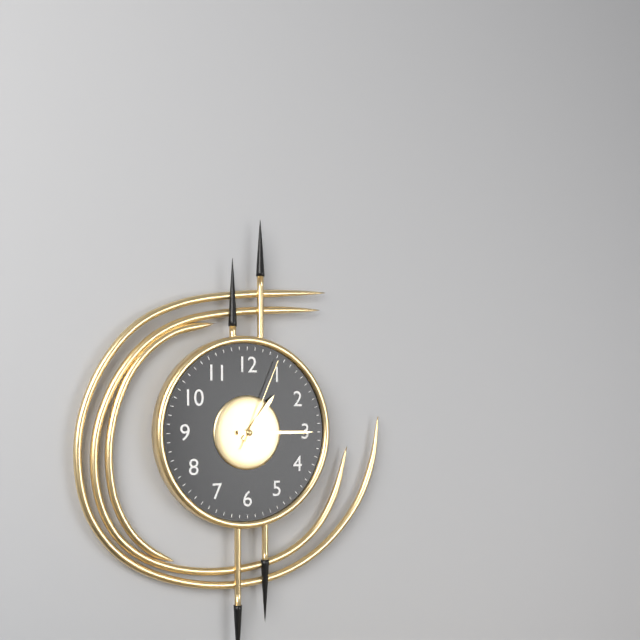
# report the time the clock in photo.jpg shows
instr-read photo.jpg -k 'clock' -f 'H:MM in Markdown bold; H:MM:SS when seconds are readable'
**1:15:04**
